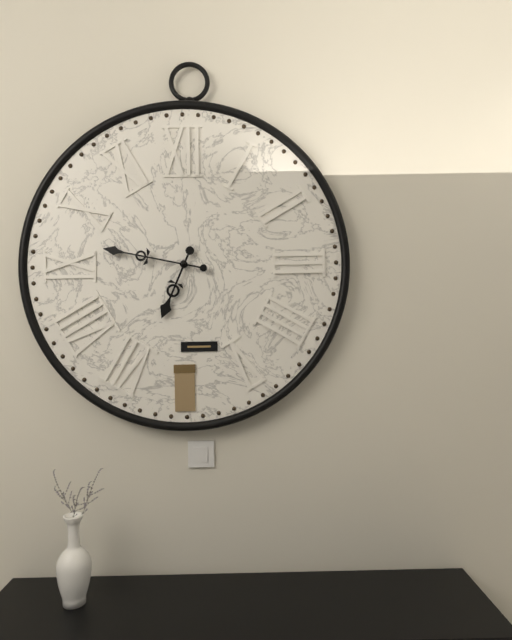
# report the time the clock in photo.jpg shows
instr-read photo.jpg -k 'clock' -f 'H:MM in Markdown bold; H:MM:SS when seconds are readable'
**6:47**
